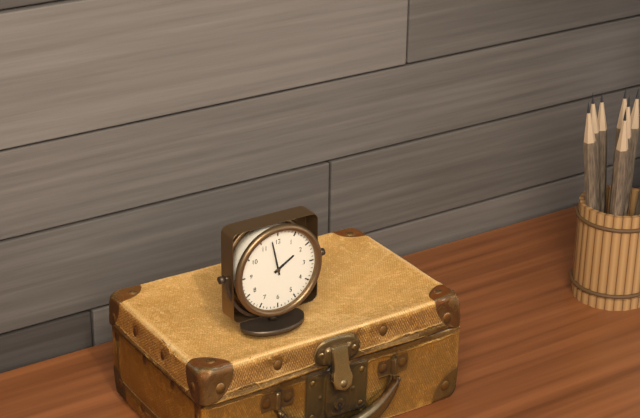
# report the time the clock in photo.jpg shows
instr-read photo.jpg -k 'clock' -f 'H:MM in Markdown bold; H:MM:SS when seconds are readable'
**1:58**
